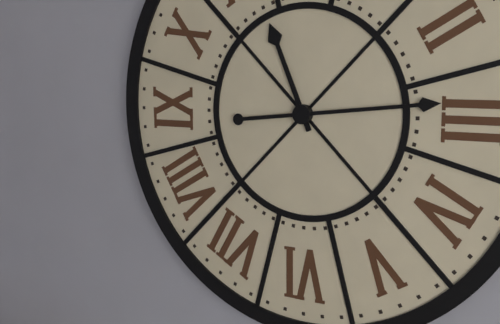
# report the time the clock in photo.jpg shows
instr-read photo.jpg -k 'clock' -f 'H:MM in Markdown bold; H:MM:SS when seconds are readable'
**11:14**
